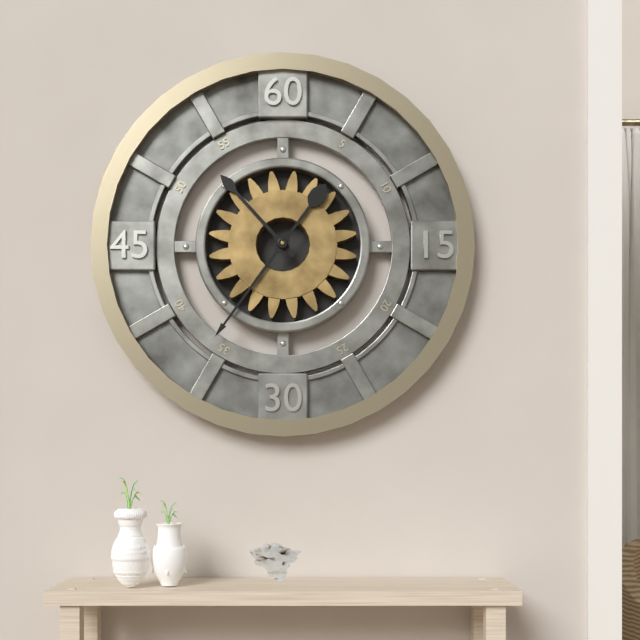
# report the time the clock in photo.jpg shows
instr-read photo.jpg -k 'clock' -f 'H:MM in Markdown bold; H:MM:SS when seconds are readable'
**10:36**
